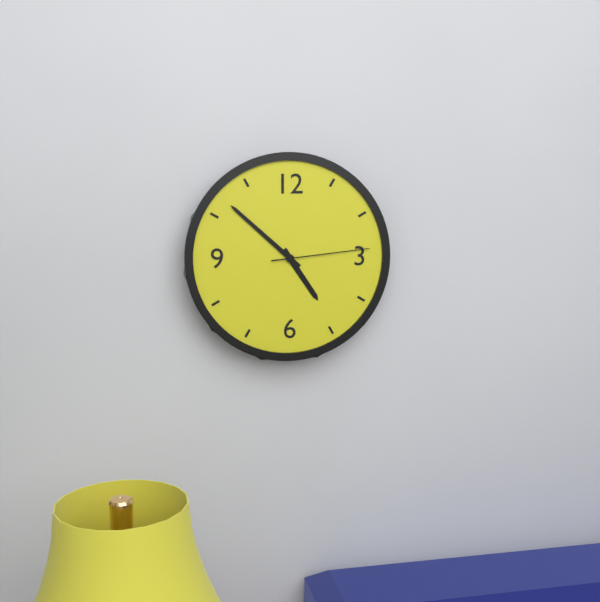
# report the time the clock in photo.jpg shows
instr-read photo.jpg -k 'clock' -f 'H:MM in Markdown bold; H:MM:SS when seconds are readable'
**4:52:14**
